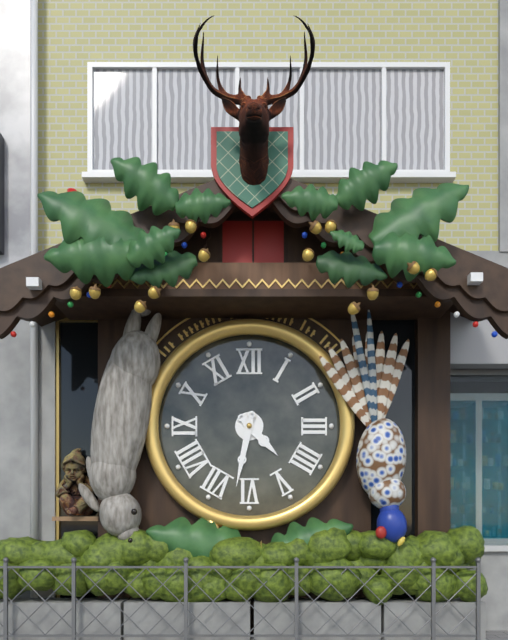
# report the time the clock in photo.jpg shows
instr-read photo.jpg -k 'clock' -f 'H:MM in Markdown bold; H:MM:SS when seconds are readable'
**4:32**
